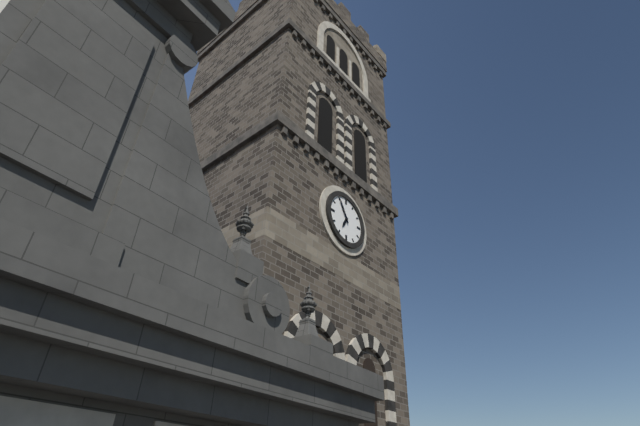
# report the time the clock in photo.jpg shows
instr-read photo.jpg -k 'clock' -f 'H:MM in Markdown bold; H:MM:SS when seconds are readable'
**6:55**
